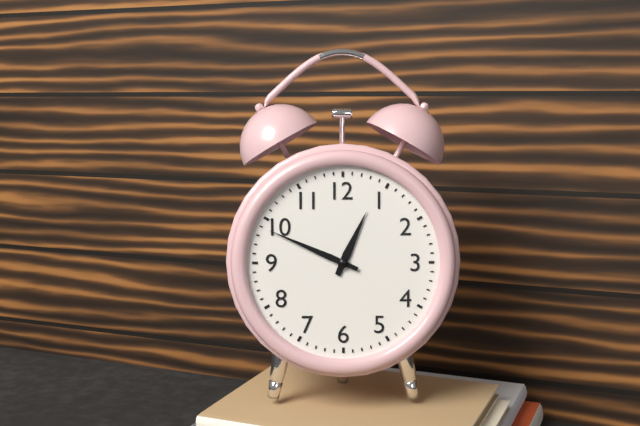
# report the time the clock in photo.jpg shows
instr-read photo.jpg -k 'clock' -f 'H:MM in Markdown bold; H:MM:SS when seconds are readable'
**12:49**
